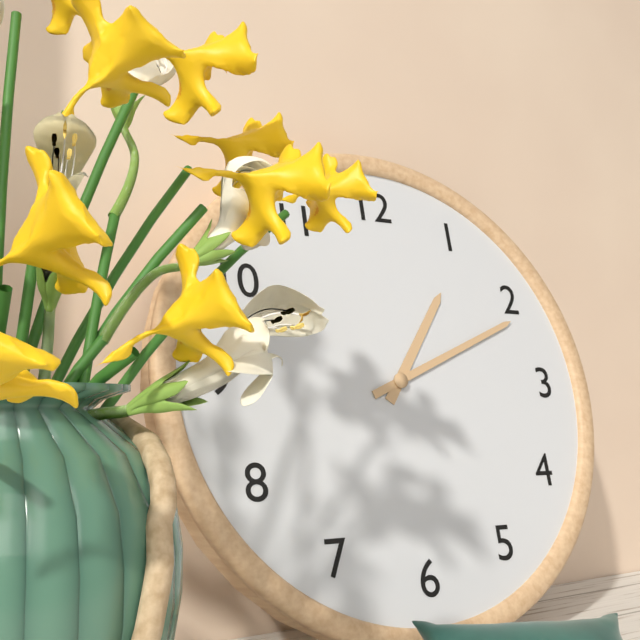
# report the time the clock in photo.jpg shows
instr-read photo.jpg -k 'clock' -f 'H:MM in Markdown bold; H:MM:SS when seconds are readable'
**1:11**
